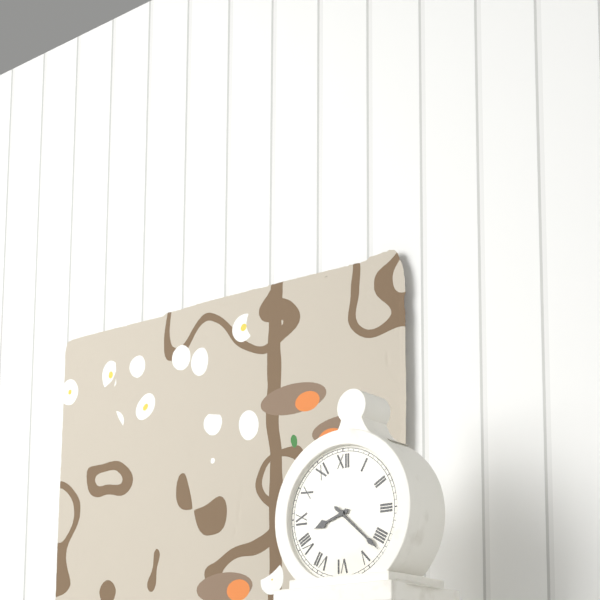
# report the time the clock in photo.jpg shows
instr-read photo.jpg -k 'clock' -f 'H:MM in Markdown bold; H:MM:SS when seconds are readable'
**8:22**
